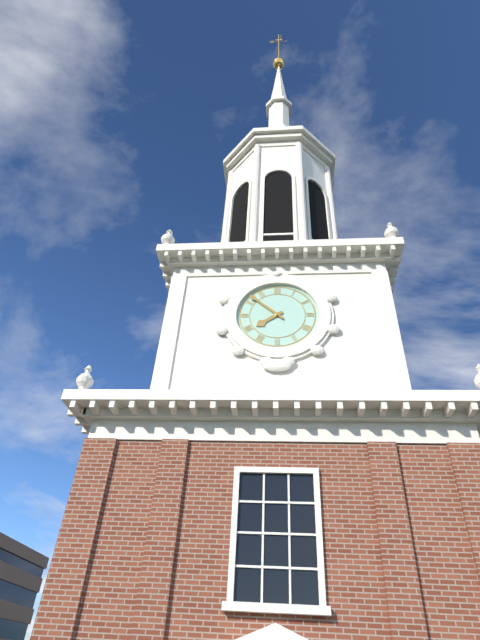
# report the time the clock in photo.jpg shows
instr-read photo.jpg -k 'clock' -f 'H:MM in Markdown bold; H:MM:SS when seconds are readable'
**7:52**
